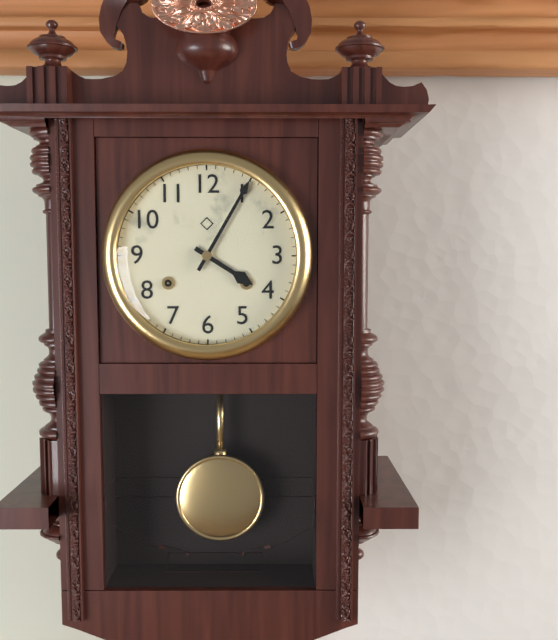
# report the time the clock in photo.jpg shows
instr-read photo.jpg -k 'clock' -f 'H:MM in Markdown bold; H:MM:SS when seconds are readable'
**4:05**
